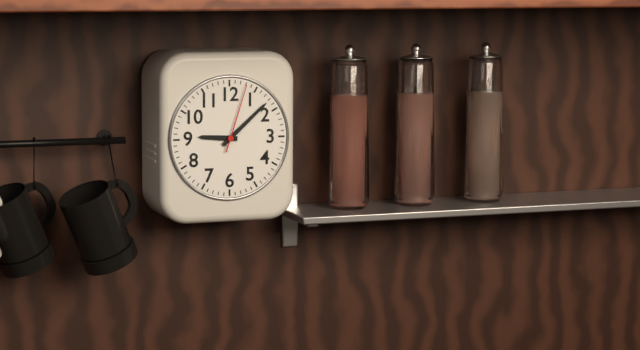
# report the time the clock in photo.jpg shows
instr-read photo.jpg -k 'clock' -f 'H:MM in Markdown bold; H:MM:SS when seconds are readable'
**9:08:03**
